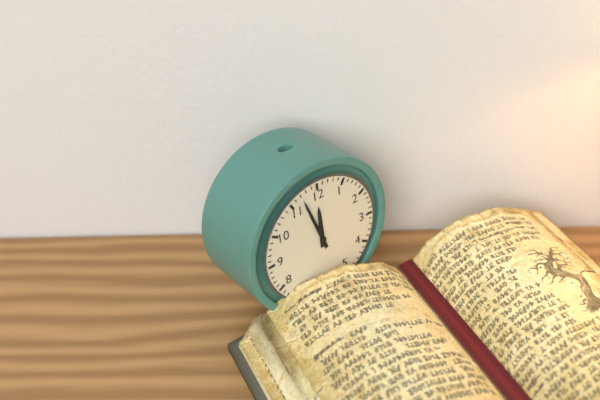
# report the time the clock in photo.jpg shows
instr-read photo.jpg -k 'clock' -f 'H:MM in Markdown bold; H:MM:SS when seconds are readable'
**11:57**
